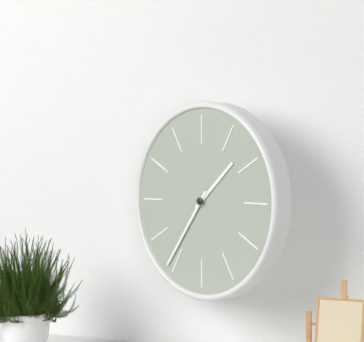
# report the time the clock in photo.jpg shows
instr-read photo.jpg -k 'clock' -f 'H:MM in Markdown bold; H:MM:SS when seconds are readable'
**1:36**
